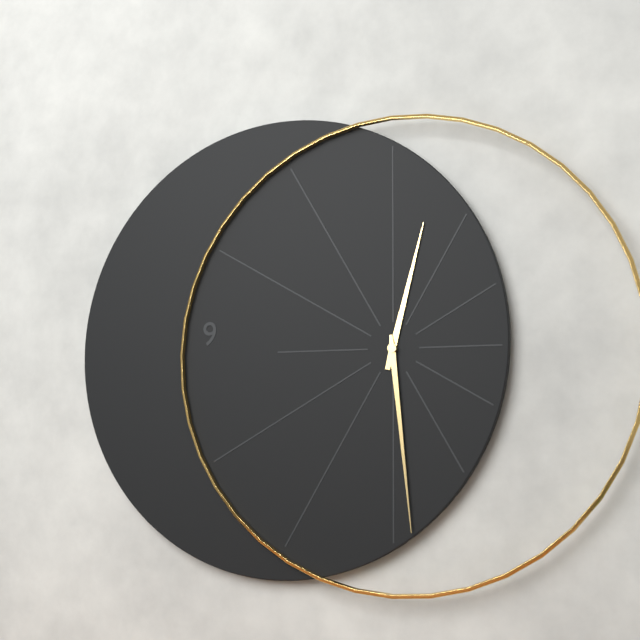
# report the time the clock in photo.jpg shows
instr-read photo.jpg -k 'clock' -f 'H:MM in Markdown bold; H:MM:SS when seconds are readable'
**12:29**
